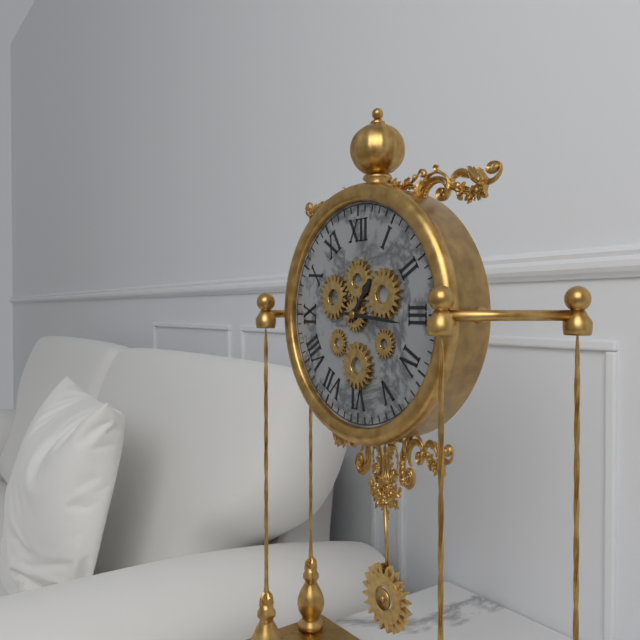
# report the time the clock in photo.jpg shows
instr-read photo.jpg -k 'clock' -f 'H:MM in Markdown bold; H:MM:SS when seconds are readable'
**1:16**
